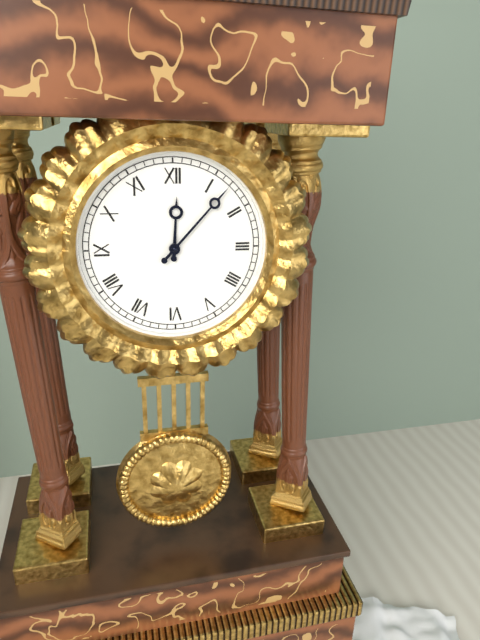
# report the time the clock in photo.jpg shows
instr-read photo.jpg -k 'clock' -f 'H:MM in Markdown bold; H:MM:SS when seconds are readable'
**12:07**
